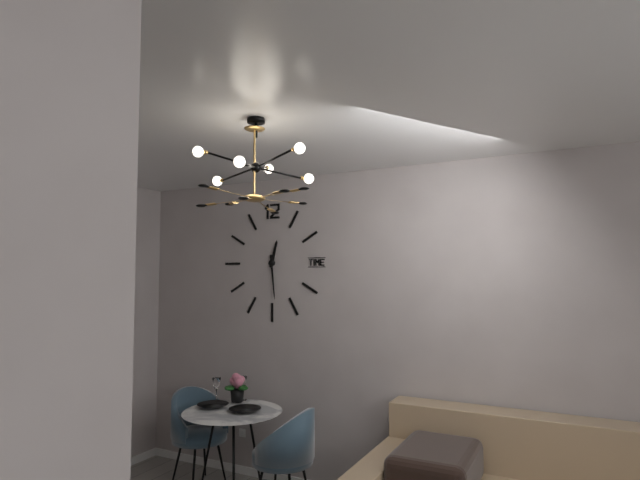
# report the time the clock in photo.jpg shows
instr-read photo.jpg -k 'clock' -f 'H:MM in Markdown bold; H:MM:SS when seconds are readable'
**12:29**
